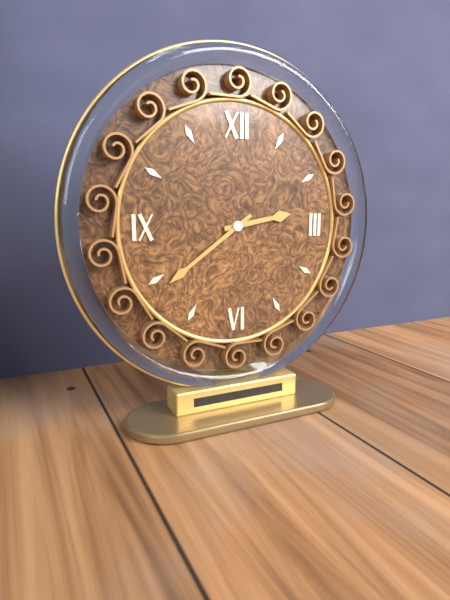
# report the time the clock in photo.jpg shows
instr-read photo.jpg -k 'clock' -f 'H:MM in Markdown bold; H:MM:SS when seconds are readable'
**2:39**
